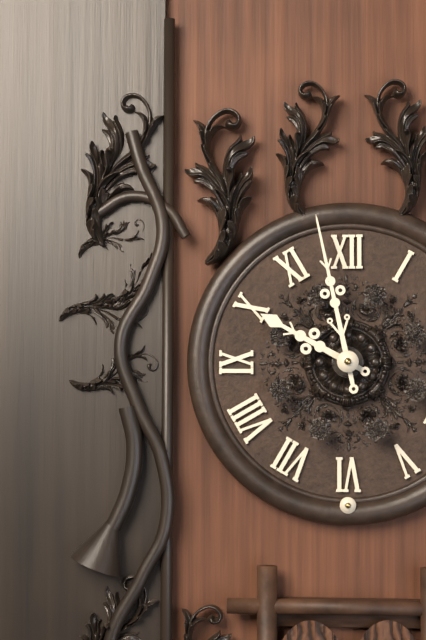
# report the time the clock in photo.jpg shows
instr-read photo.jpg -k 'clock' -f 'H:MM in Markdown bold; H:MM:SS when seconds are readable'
**9:58**
